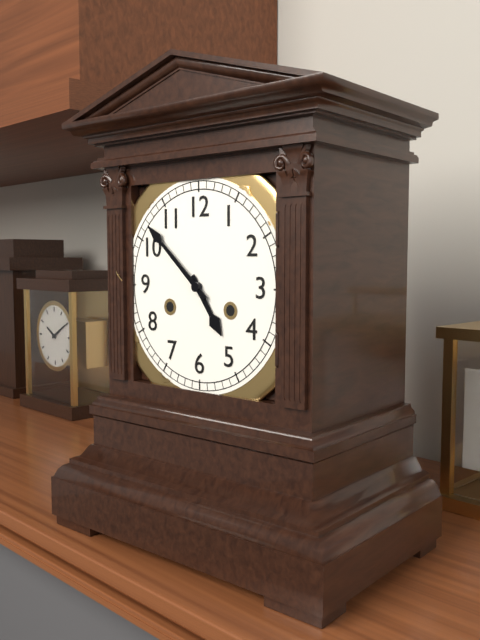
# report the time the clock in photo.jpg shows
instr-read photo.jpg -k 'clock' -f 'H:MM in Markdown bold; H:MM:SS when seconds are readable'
**4:52**
